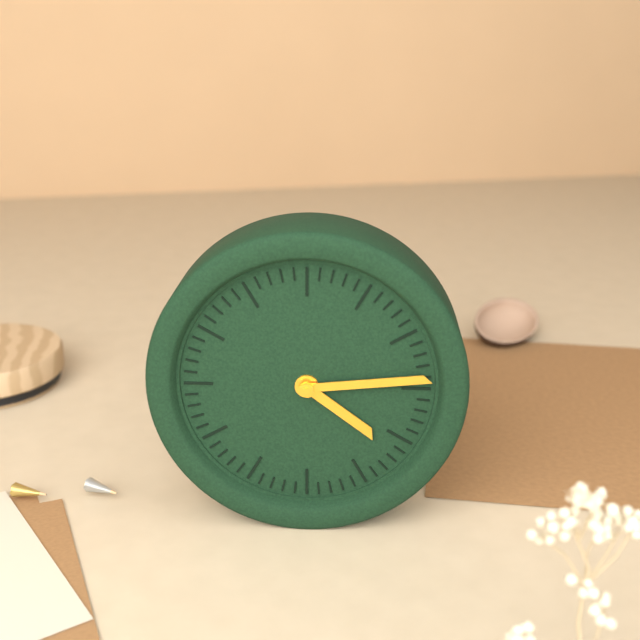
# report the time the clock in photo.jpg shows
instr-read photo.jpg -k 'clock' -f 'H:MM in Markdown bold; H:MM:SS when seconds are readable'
**4:14**
